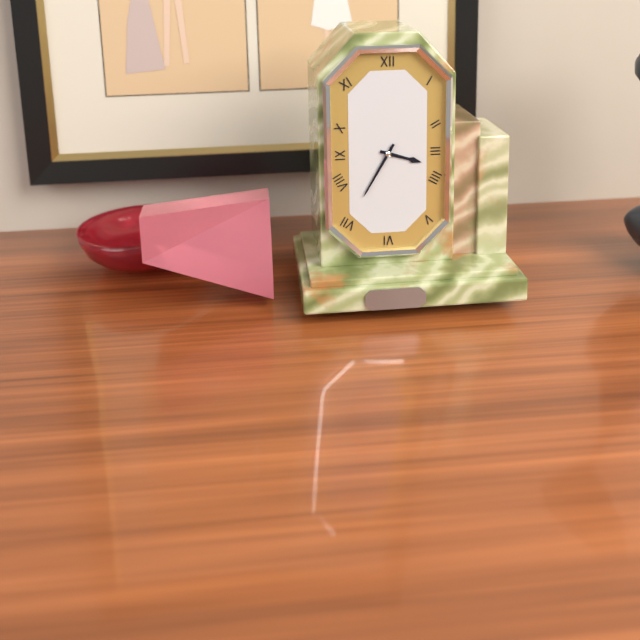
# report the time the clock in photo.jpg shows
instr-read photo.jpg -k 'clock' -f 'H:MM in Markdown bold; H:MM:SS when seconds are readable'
**3:35**
